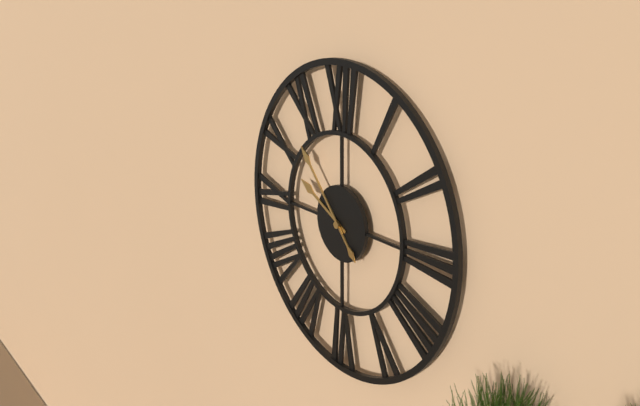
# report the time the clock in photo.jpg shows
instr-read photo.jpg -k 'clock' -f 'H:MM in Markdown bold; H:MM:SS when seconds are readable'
**9:53**
